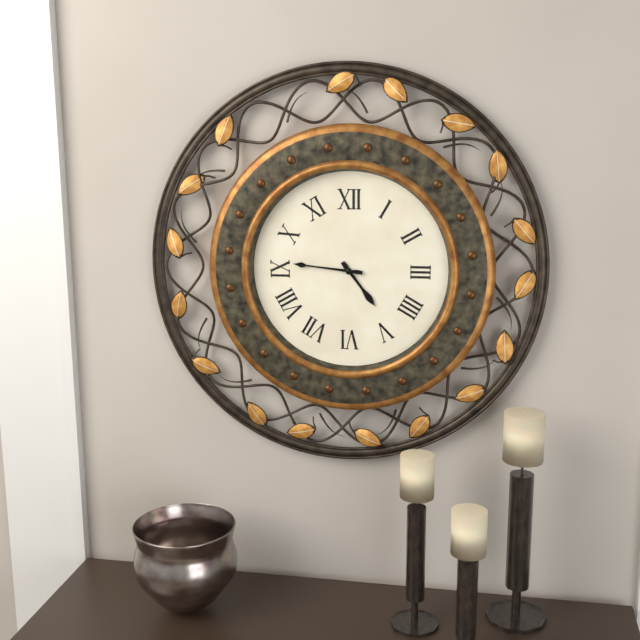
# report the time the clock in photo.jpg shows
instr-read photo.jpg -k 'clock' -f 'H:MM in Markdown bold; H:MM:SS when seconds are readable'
**4:46**
